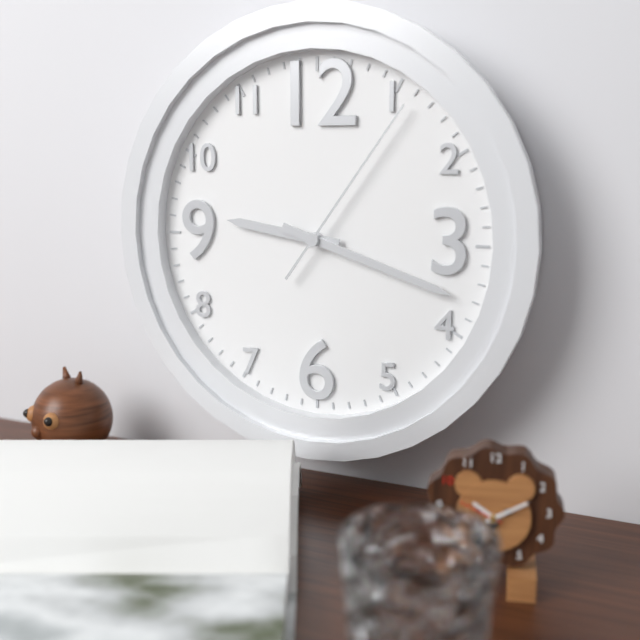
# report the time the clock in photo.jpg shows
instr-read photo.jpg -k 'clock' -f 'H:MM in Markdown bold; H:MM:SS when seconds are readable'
**9:18:06**
